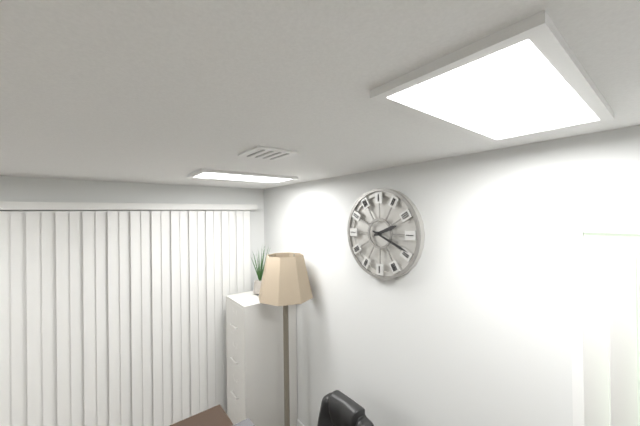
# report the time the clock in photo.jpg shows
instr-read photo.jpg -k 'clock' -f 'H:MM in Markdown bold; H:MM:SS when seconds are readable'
**2:19**
